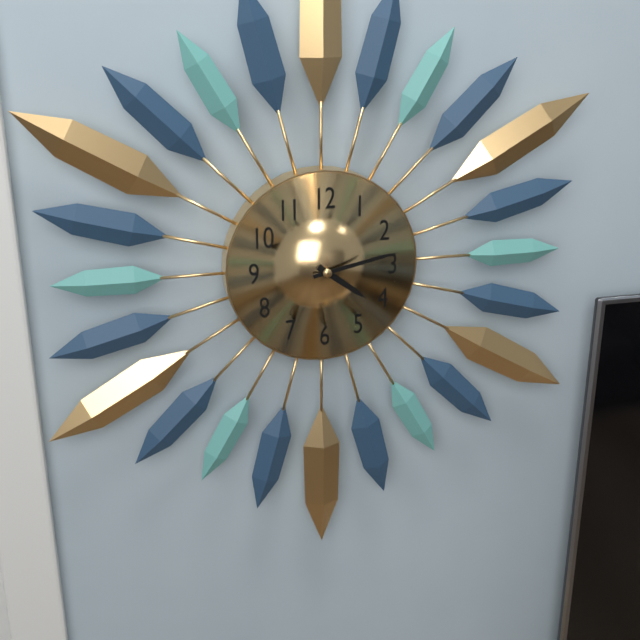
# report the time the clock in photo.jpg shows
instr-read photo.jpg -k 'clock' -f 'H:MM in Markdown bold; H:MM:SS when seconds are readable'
**4:13**
